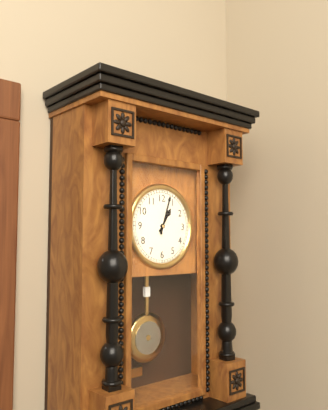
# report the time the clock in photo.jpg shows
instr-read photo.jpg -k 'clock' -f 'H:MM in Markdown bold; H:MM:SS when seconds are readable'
**1:03**
